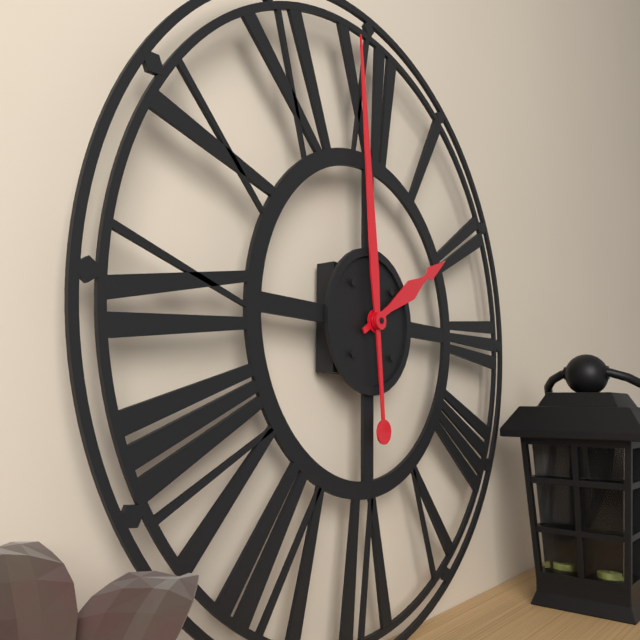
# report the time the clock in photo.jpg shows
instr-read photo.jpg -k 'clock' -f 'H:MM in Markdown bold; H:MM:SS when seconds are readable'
**1:59**
